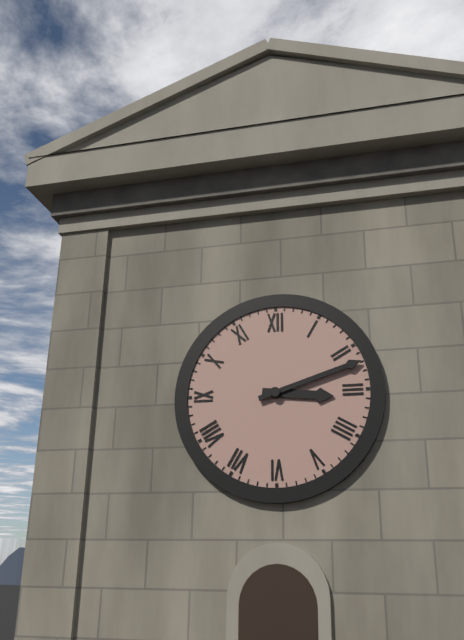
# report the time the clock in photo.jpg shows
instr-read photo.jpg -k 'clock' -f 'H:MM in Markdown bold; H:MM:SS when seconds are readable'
**3:12**
